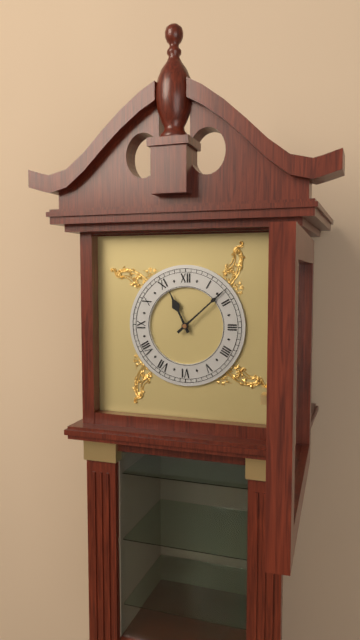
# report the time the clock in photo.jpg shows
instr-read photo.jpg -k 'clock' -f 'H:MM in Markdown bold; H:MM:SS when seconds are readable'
**11:08**
